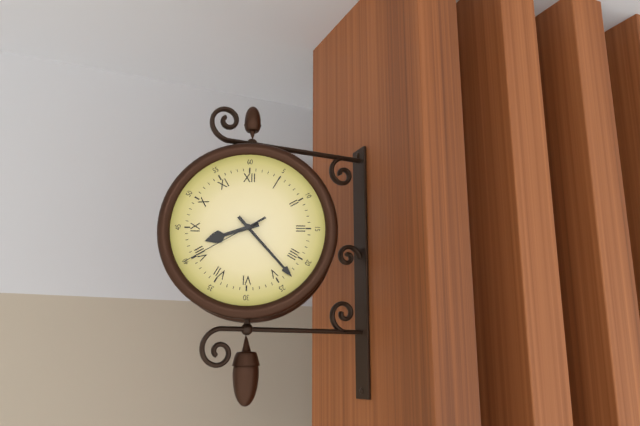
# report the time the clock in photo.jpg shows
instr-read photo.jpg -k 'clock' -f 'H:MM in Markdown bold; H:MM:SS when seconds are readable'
**8:23:40**
